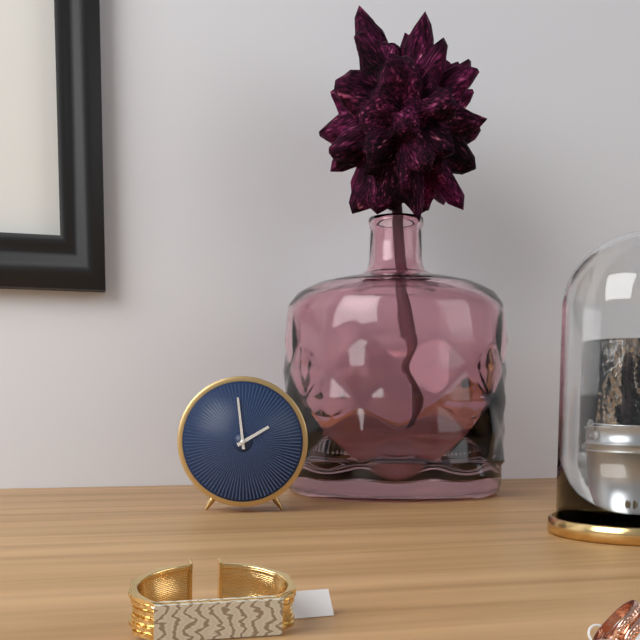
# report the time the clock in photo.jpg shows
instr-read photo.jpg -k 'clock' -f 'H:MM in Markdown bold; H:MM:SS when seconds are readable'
**1:59**
